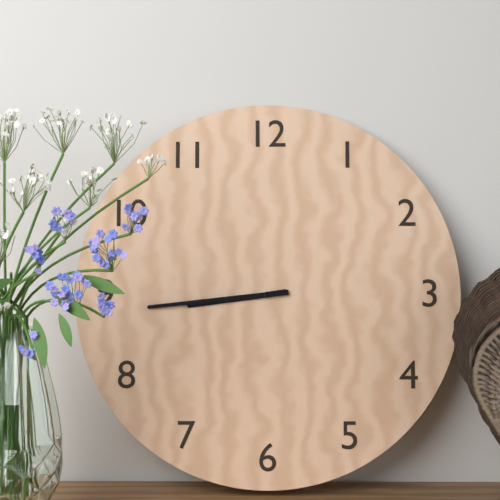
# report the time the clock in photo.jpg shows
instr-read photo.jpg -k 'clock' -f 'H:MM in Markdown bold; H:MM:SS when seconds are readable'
**8:44**
